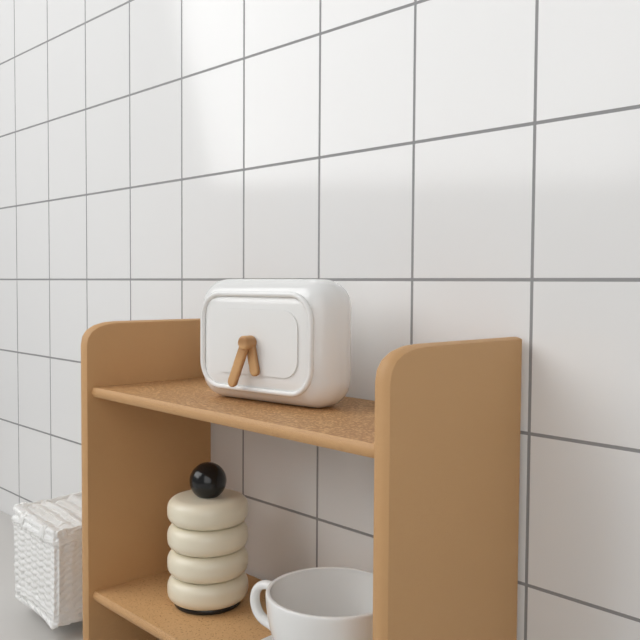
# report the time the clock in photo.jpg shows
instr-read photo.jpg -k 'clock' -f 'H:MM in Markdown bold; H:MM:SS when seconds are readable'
**5:34**
